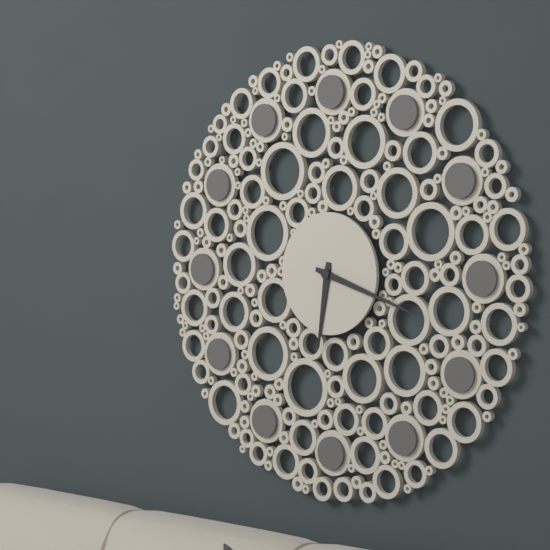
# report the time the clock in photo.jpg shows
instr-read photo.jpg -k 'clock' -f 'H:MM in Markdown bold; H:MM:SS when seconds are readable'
**6:18**
